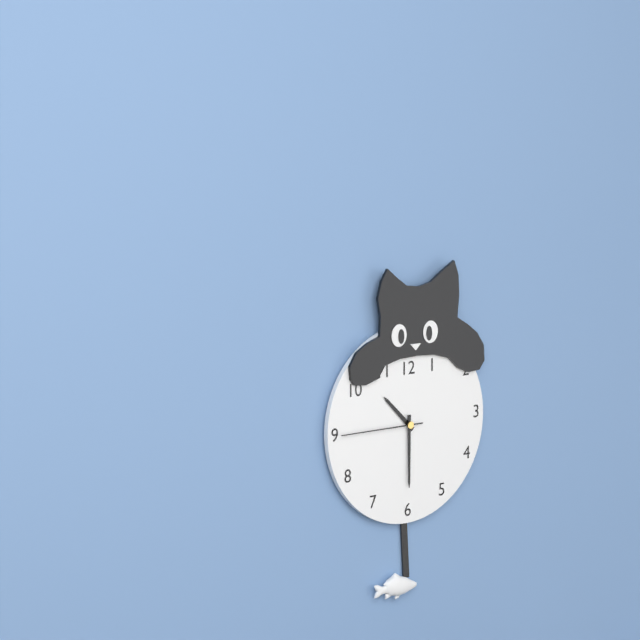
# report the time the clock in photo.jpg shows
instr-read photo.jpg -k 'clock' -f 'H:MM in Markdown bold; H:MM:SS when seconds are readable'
**10:30:45**
